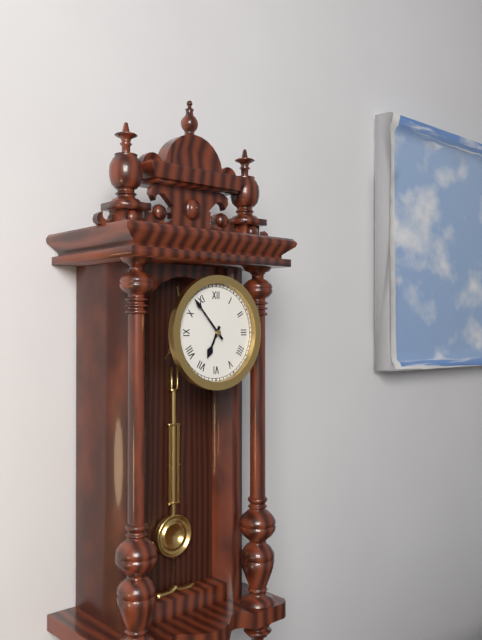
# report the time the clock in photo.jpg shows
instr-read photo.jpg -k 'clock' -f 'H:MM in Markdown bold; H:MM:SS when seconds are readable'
**6:53**
